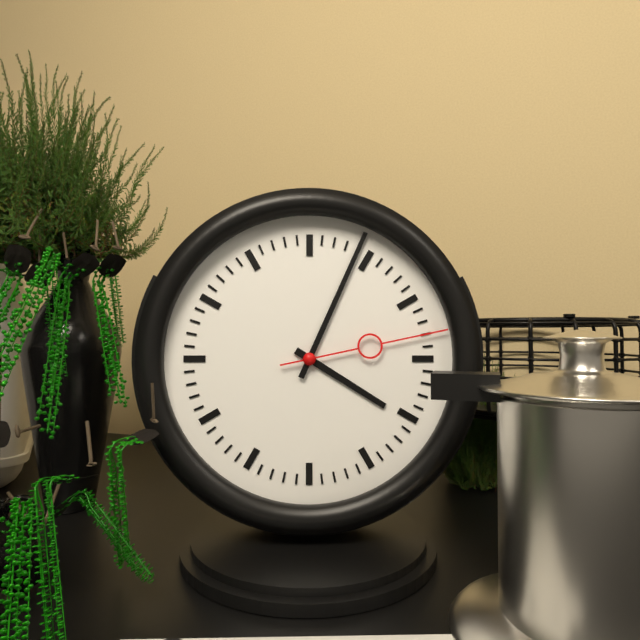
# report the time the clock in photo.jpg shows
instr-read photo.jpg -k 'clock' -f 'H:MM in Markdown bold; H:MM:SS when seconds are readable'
**4:04:13**
